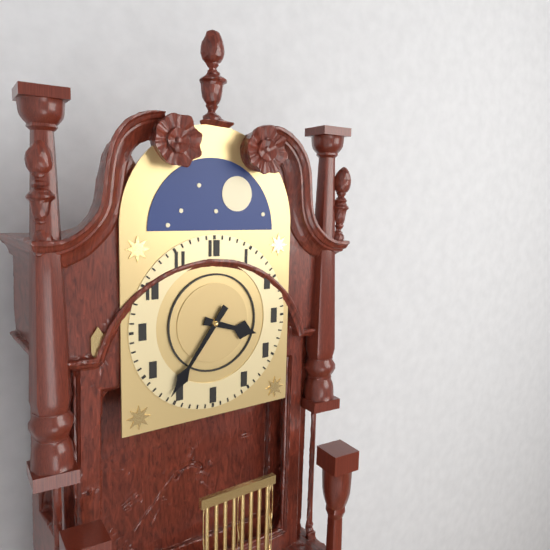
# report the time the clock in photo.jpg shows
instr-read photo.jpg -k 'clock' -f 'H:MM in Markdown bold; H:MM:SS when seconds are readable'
**3:36**
